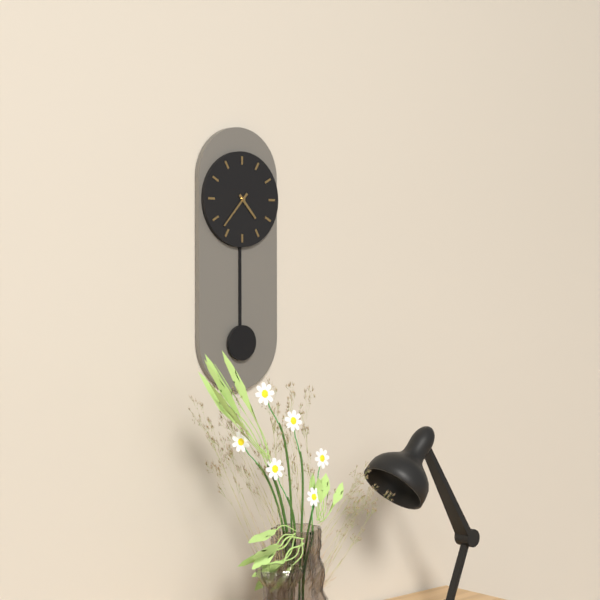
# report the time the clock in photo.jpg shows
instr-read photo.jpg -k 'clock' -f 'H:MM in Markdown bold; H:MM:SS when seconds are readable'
**4:37**
